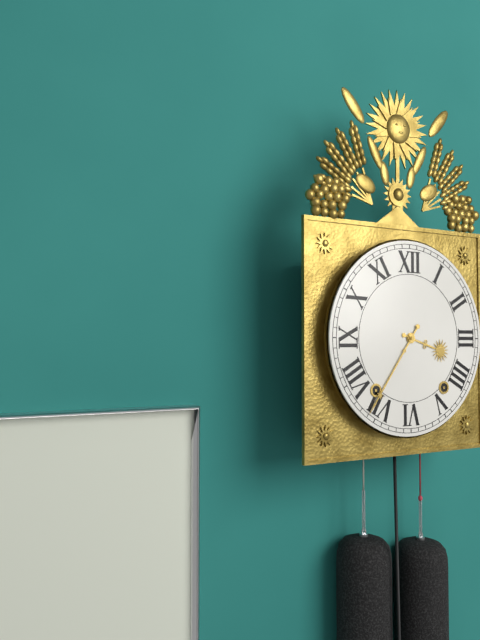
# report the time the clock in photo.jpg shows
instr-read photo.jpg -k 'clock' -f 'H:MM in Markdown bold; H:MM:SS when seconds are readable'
**3:36**
